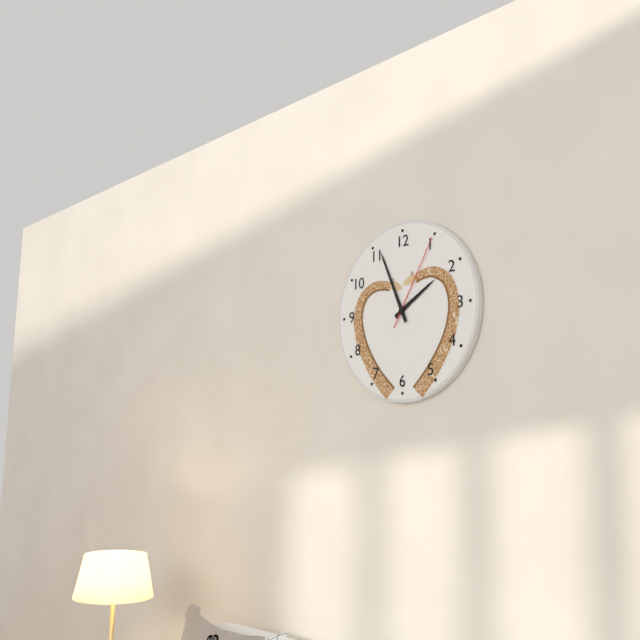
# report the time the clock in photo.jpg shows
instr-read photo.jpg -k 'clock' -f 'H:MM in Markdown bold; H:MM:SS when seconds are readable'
**1:56:05**
